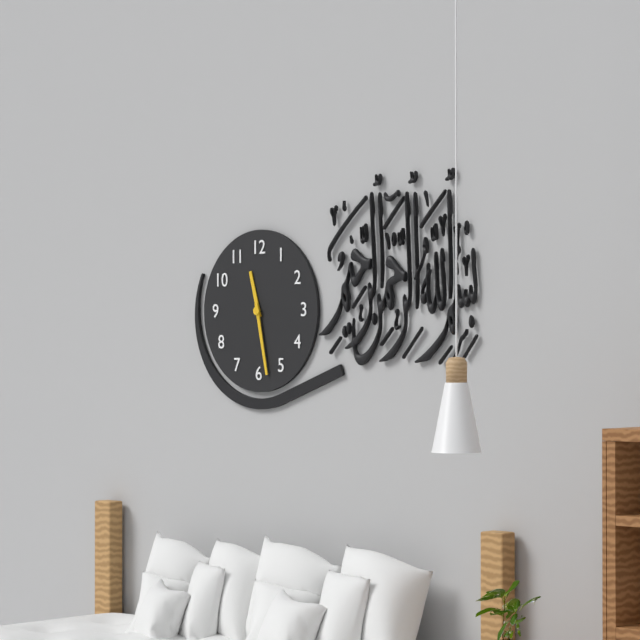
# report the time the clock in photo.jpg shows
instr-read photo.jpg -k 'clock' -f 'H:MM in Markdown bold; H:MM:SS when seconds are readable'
**11:28**
